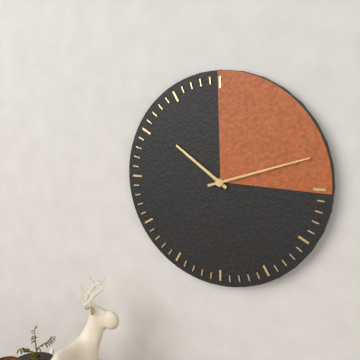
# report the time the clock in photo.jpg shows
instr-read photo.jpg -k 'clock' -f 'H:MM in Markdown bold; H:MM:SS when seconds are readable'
**10:12**
